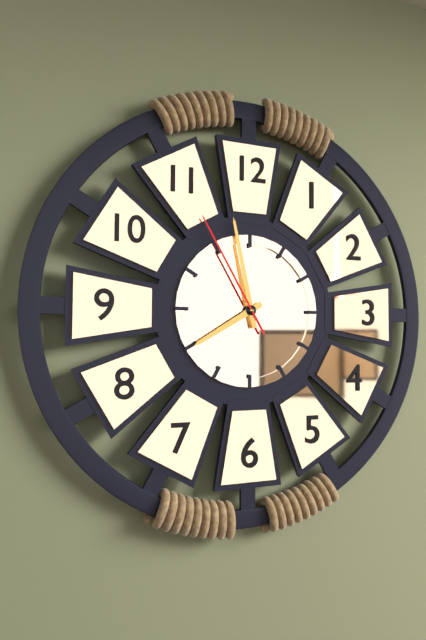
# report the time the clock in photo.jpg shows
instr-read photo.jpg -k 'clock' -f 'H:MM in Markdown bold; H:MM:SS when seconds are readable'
**7:58:55**
